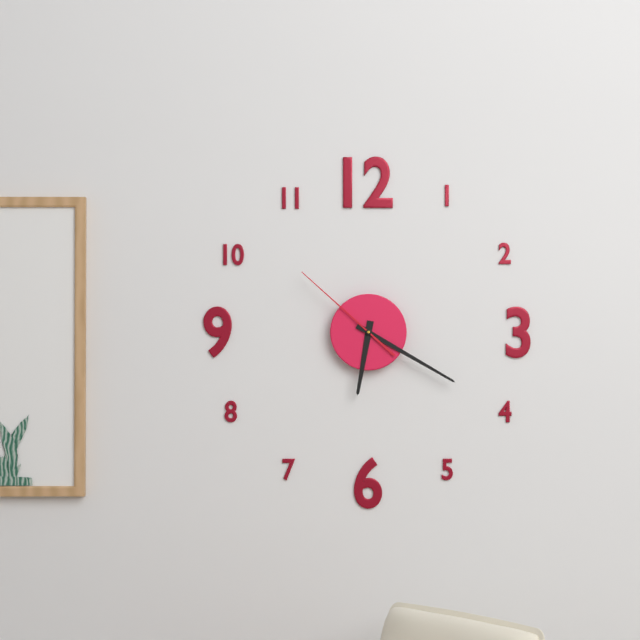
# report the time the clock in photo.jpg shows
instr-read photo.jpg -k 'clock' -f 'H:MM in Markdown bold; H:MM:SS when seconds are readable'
**6:20:52**
